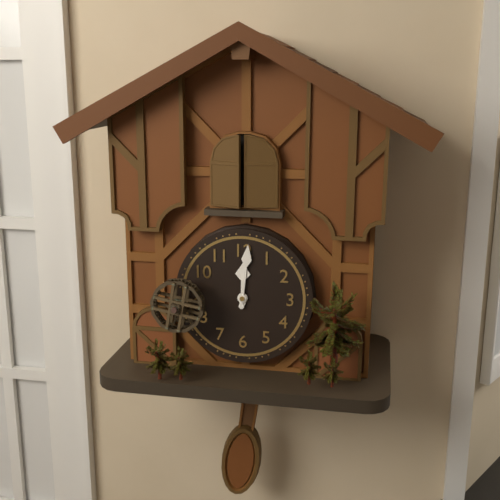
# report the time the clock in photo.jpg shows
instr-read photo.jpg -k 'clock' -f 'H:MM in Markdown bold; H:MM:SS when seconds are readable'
**12:01**
